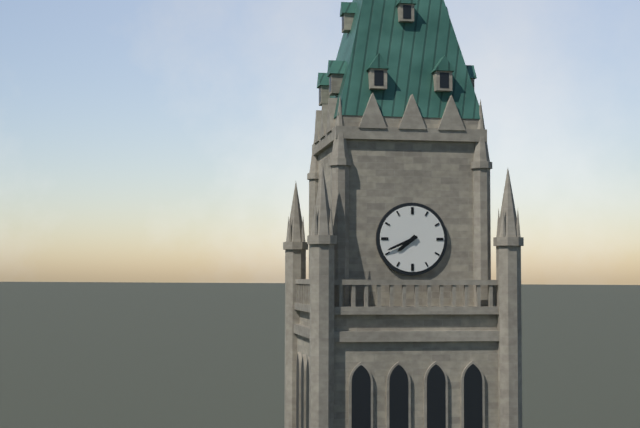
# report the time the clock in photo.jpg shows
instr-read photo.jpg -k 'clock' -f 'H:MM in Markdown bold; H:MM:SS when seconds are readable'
**7:41**
